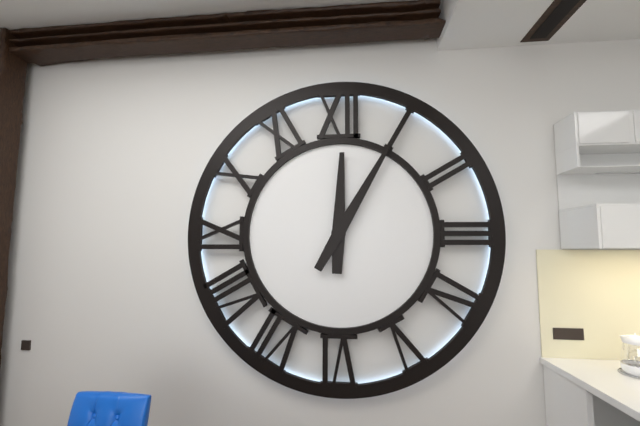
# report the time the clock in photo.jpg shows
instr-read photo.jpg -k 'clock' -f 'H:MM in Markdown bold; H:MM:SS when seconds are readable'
**12:05**
